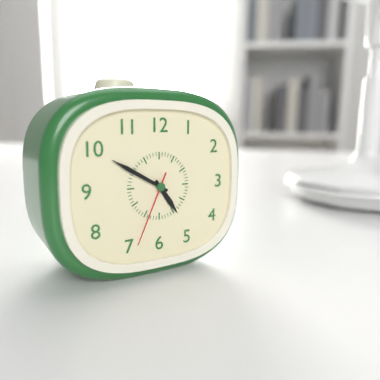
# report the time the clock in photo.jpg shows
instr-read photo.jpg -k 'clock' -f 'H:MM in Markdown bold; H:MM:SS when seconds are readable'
**4:50:34**
